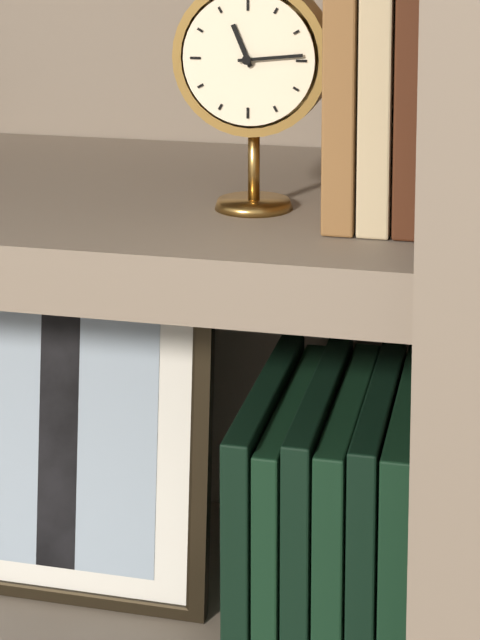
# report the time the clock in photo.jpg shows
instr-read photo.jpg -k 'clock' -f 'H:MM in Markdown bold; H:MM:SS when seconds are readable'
**11:14**
